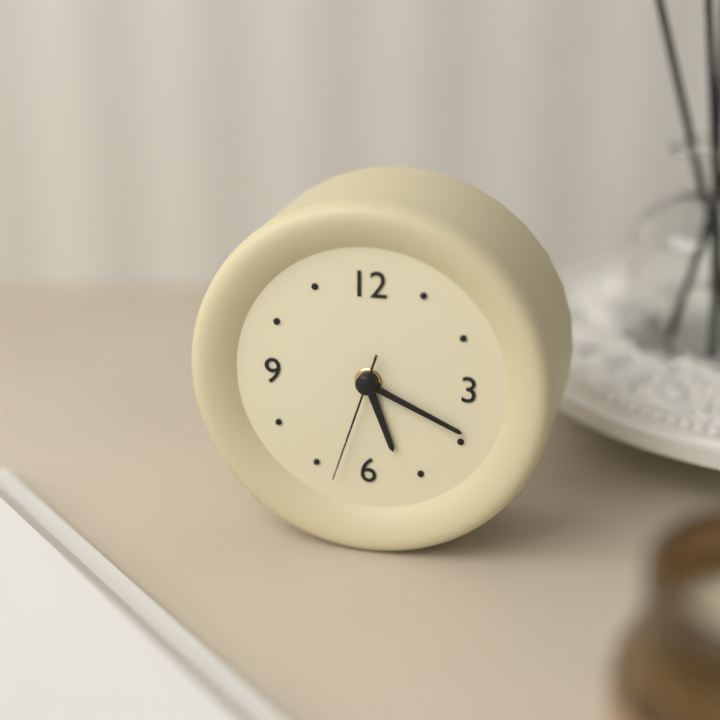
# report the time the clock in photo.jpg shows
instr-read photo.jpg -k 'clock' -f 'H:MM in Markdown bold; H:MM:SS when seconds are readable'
**5:19:33**
